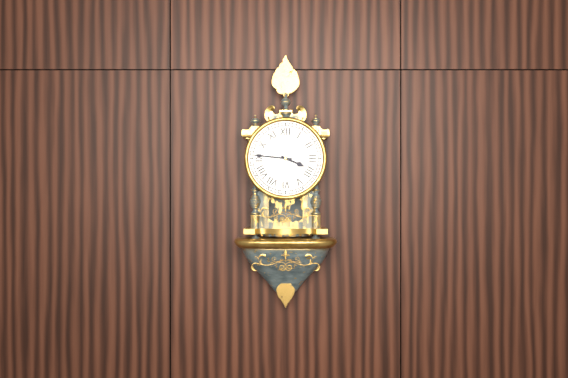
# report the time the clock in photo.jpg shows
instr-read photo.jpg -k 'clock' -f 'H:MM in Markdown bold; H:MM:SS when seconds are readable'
**3:46**
